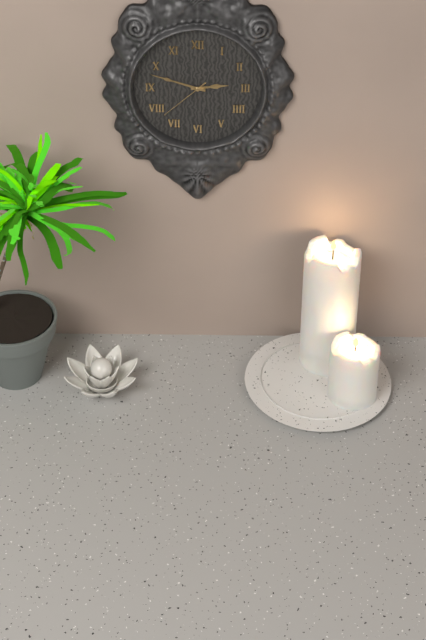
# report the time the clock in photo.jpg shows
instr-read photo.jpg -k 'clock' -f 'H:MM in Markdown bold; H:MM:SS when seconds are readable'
**2:48:38**
